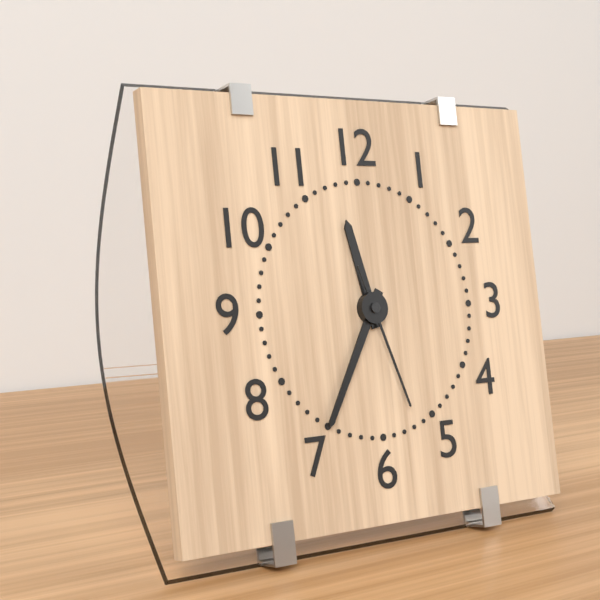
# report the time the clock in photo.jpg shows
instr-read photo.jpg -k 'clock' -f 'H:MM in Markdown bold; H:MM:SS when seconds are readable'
**11:35:27**
